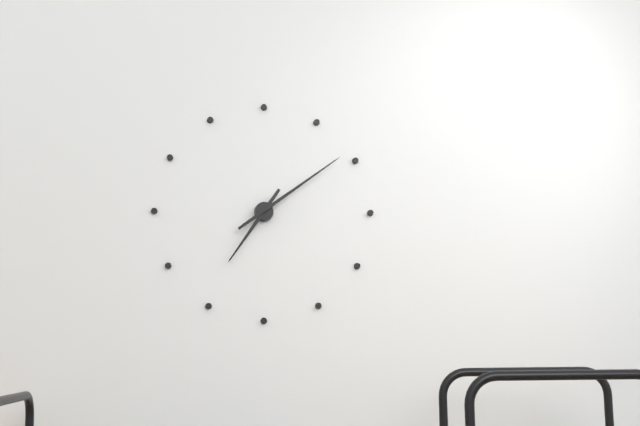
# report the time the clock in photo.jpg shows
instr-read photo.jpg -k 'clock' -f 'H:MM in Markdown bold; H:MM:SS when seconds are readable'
**7:09**
